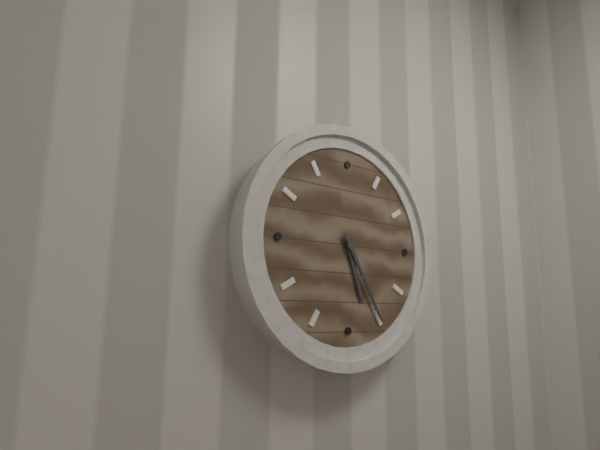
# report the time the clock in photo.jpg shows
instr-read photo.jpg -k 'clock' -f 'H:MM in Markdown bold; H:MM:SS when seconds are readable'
**5:25**
